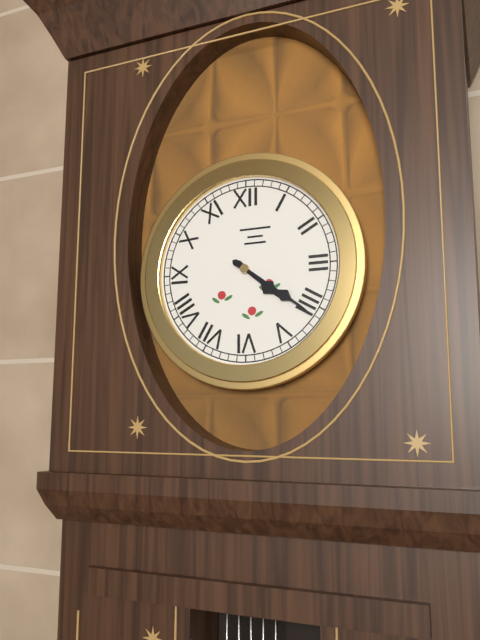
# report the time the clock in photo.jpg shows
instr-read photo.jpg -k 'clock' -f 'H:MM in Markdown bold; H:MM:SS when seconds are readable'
**4:21**
